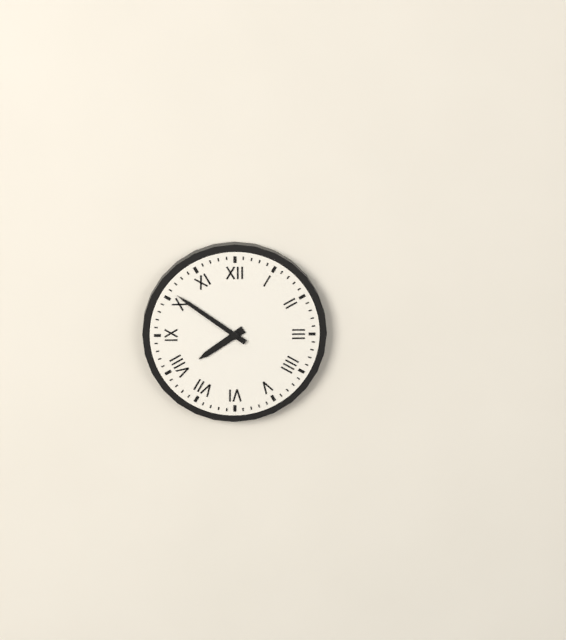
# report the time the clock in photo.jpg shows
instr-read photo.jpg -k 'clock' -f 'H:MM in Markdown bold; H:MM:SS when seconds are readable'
**7:51**
